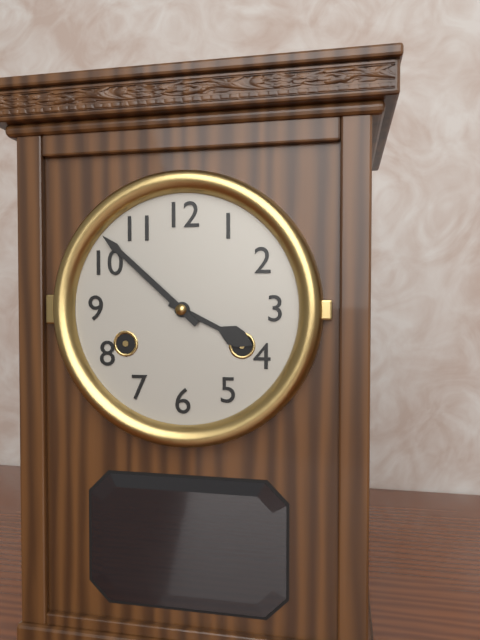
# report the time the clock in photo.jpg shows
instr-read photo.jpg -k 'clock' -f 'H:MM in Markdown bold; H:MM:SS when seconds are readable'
**3:52**
